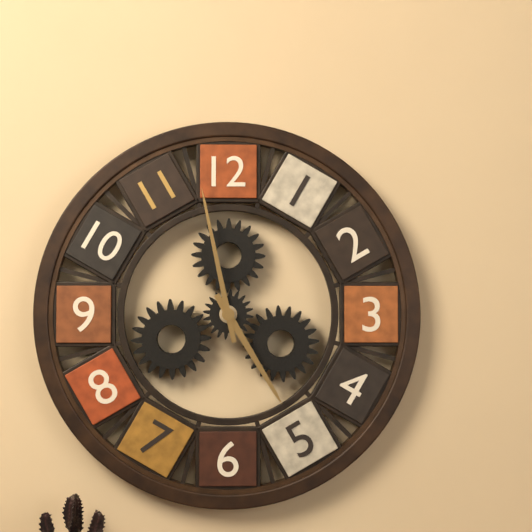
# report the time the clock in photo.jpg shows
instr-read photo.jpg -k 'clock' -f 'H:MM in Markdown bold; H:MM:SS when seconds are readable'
**4:58**
